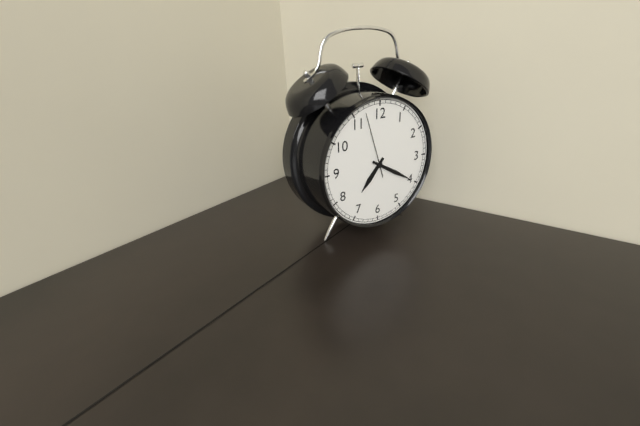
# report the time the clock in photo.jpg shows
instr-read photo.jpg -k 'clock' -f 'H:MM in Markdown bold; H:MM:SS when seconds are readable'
**7:20:57**
